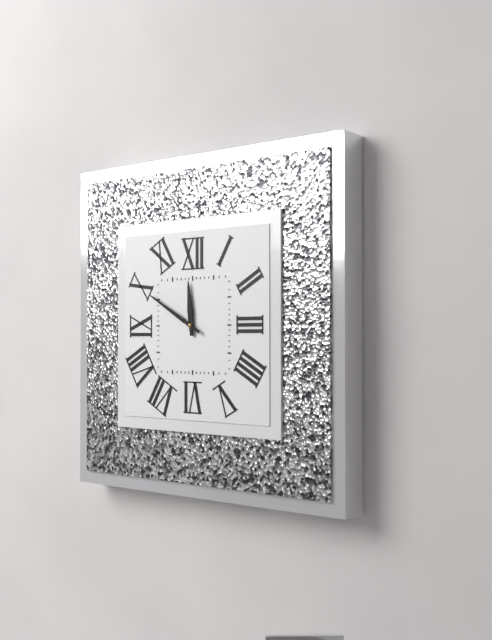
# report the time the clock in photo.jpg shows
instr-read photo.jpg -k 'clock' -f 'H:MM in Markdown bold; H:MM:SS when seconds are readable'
**11:50**
